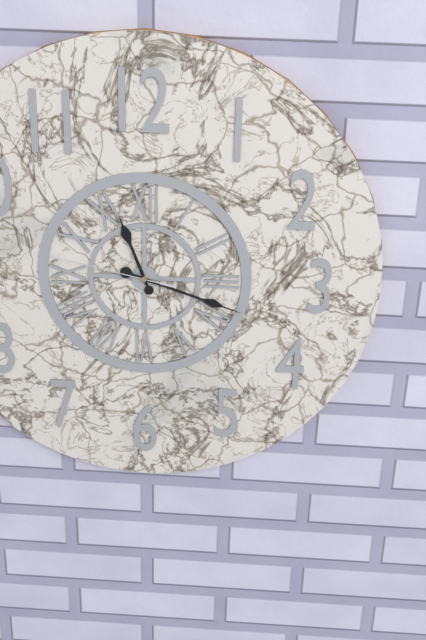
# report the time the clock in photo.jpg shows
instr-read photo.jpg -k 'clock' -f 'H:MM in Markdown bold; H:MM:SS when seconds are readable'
**11:18:47**
